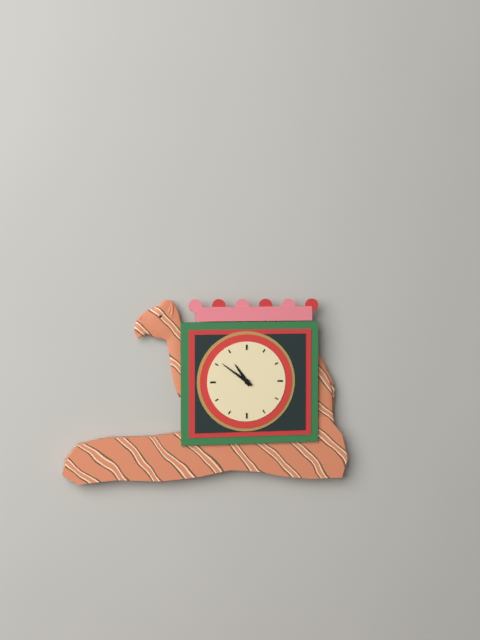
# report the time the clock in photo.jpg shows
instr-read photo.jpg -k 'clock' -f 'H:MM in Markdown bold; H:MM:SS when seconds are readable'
**10:51**
